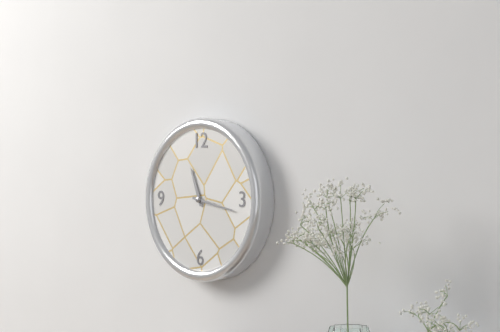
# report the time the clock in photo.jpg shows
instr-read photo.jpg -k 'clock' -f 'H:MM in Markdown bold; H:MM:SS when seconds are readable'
**11:17**
